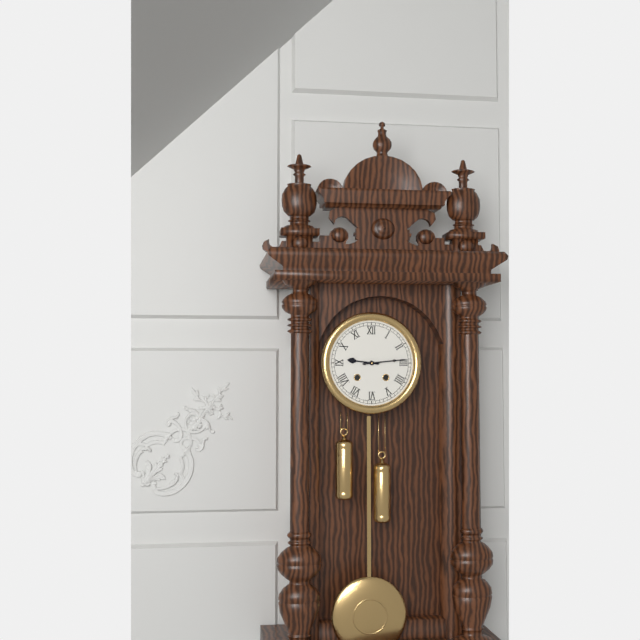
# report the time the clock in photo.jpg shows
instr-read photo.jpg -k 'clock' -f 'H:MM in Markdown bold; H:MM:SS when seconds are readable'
**9:14**
